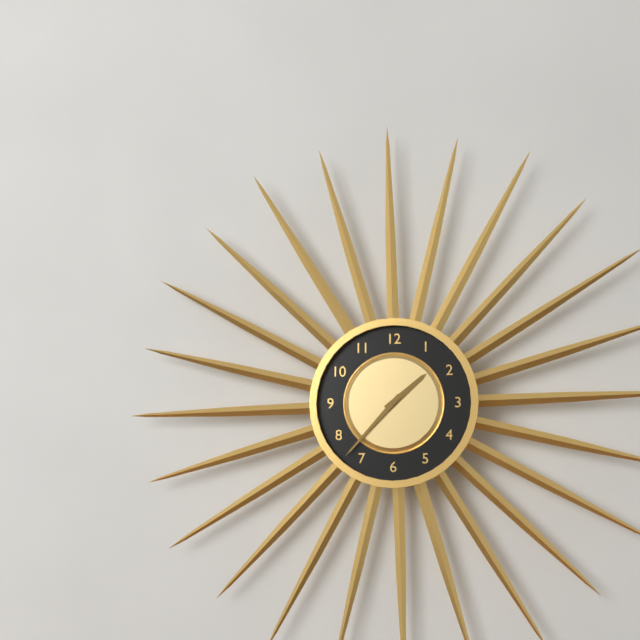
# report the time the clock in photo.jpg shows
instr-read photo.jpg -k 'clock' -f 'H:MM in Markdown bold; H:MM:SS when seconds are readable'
**1:37**
